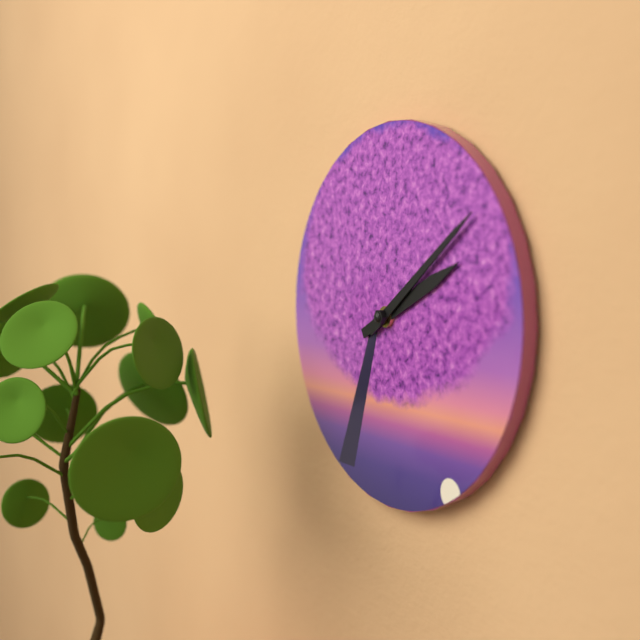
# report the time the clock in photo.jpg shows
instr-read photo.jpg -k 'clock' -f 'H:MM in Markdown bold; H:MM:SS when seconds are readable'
**2:09**
